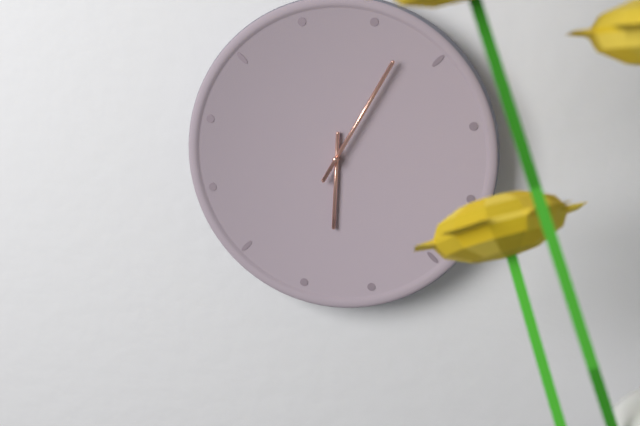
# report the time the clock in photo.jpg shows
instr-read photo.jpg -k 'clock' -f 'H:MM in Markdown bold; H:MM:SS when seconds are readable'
**6:05**
